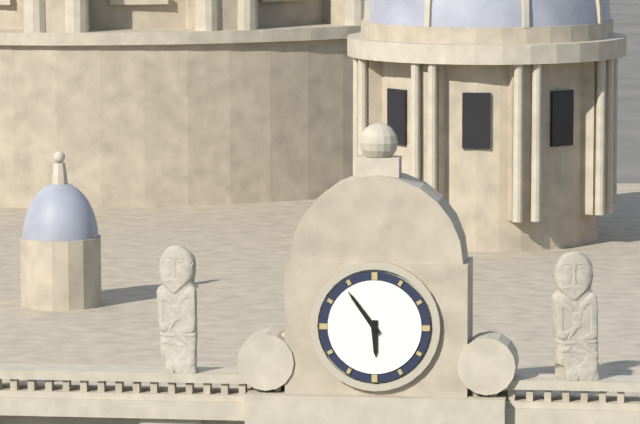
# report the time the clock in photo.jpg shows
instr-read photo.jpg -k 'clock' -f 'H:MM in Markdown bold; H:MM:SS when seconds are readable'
**5:54**
